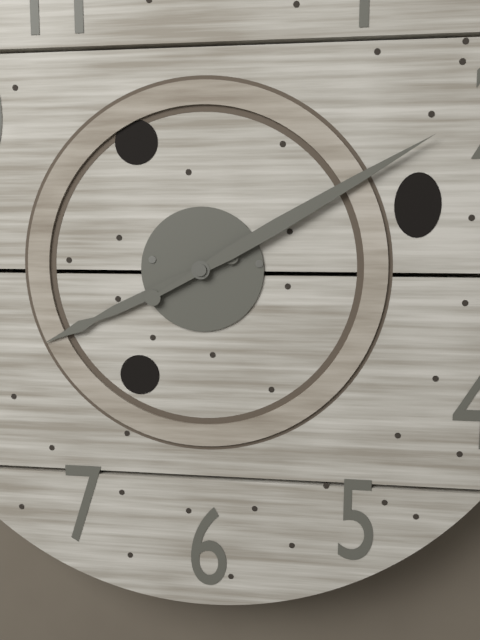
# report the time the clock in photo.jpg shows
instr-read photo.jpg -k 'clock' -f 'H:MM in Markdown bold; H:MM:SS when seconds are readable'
**8:10**
